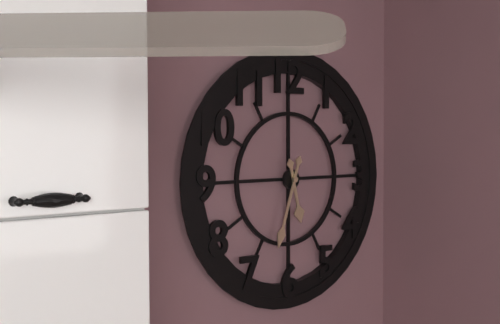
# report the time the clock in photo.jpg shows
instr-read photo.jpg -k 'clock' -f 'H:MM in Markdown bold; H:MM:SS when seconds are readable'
**5:33**
